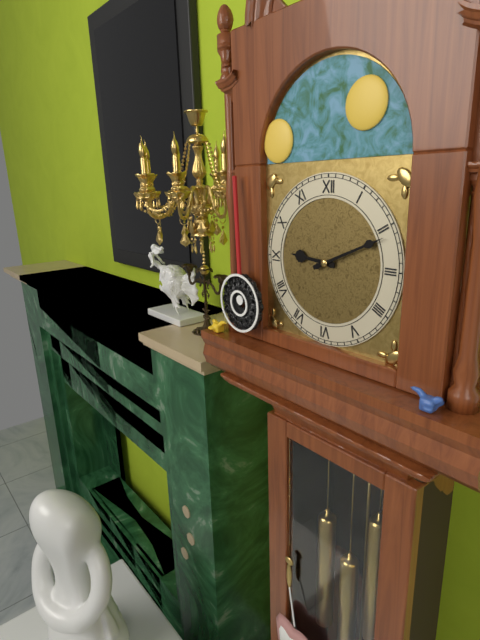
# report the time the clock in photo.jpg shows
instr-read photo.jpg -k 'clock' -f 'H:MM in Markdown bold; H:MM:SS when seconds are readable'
**9:11**
